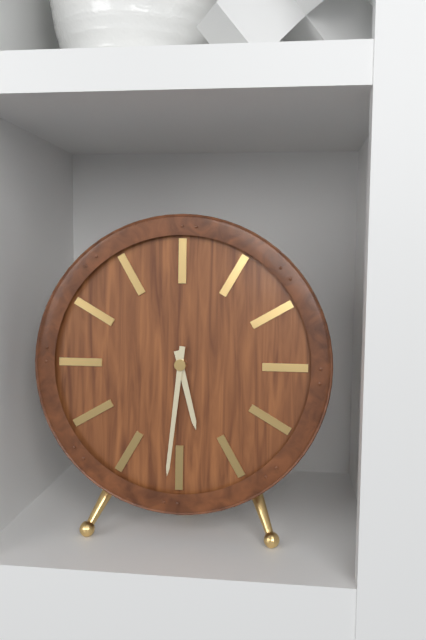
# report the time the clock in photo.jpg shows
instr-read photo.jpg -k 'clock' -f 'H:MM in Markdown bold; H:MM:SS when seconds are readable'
**5:31**
